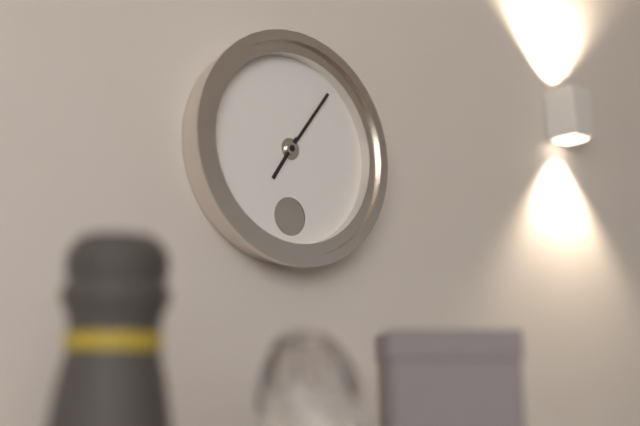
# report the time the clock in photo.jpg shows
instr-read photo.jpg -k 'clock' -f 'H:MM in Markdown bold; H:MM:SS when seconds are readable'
**7:06**
